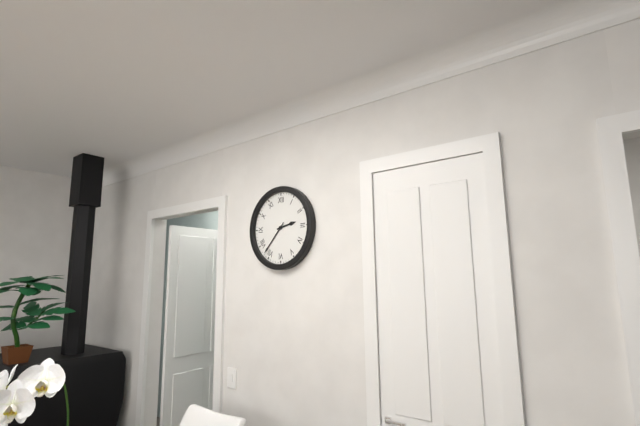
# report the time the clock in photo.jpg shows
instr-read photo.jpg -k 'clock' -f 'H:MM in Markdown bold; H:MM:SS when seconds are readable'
**2:37**
